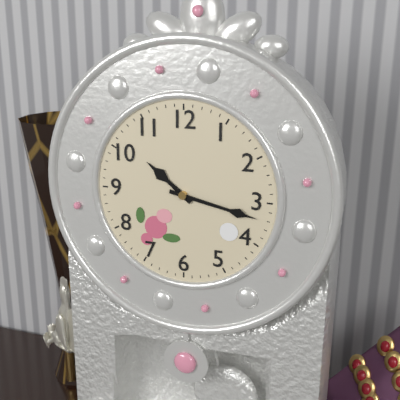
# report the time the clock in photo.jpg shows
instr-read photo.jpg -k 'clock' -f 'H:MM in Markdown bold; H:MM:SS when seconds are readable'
**10:17**
